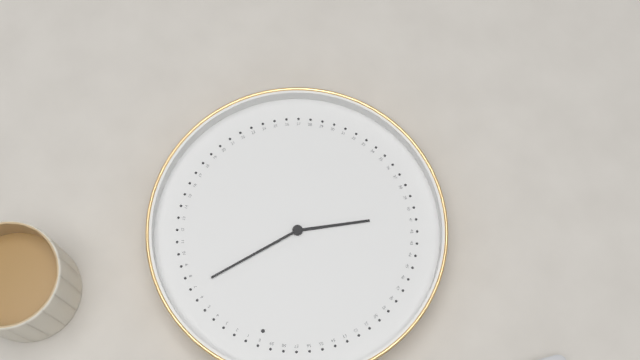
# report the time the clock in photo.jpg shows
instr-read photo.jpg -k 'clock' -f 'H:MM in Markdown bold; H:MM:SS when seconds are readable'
**8:07**
